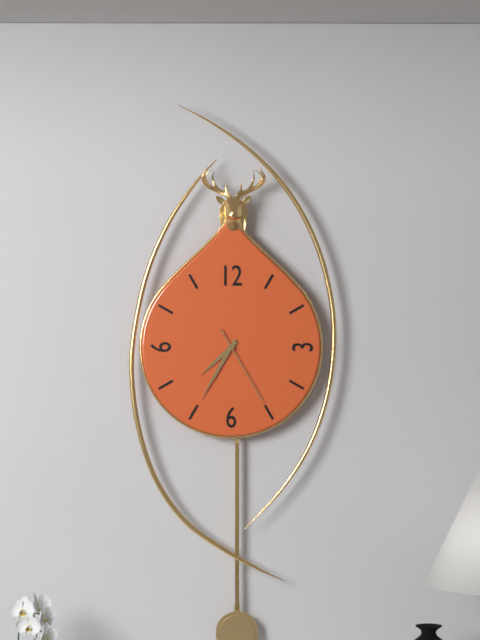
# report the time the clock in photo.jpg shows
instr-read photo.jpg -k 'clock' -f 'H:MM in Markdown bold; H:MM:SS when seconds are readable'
**7:35:25**
